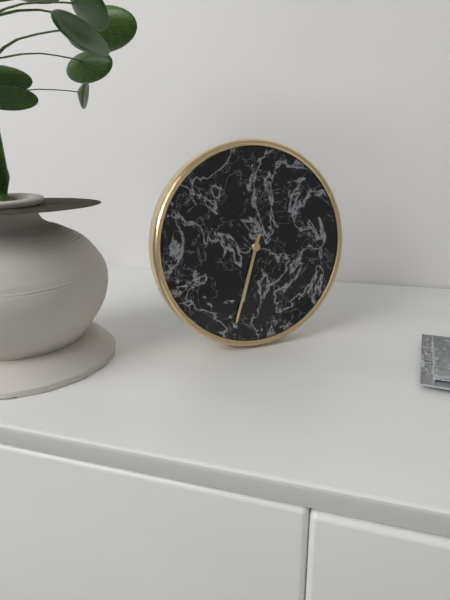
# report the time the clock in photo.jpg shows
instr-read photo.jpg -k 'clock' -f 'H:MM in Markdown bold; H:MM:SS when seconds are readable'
**6:33**
